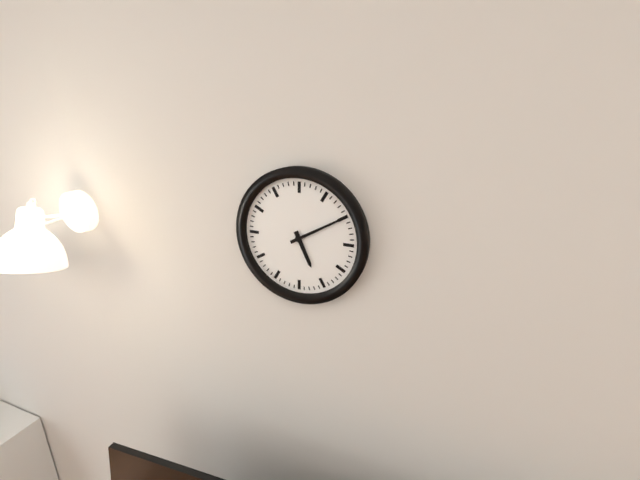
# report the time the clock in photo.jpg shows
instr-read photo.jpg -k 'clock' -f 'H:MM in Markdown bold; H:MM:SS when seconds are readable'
**5:10**
